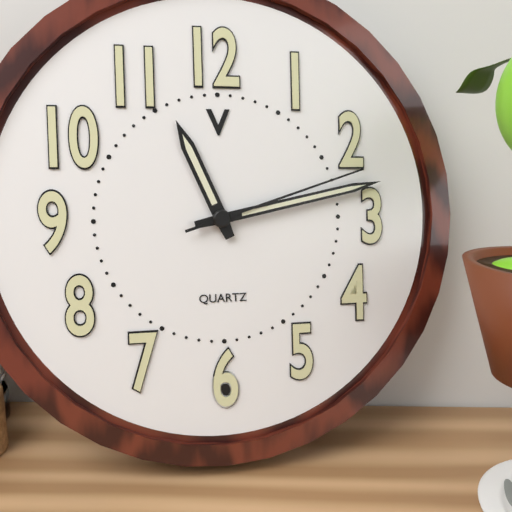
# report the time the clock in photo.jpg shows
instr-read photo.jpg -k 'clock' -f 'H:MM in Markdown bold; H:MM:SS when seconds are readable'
**11:13:12**
